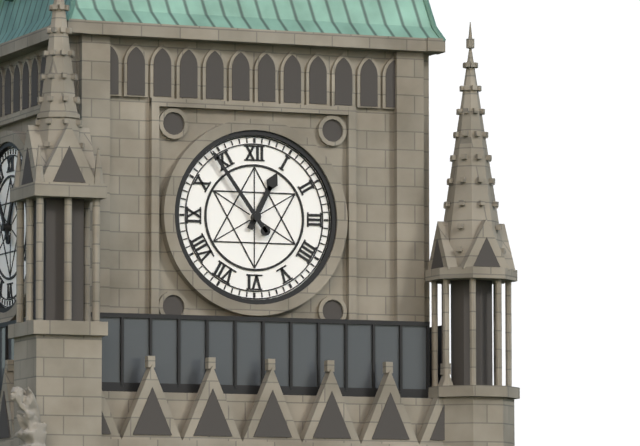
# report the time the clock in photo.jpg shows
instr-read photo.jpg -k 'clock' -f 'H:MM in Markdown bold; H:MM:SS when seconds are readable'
**12:54**
